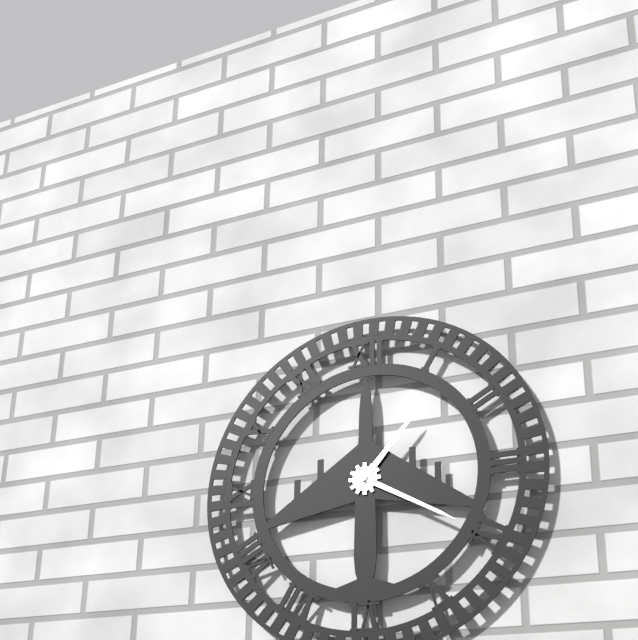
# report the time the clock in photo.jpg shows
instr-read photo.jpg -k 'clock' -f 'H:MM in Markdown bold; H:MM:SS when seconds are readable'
**1:20**
